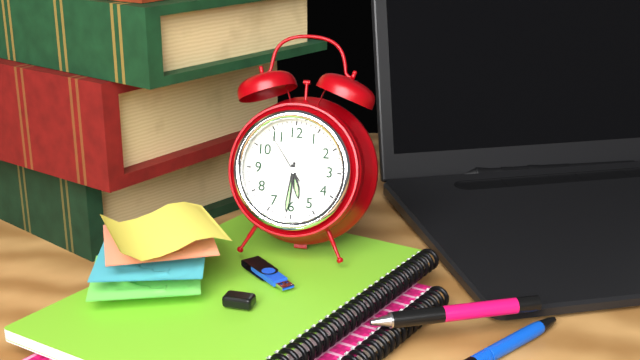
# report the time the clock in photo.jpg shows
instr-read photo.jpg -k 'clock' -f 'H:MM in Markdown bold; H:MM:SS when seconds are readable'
**5:31:54**
